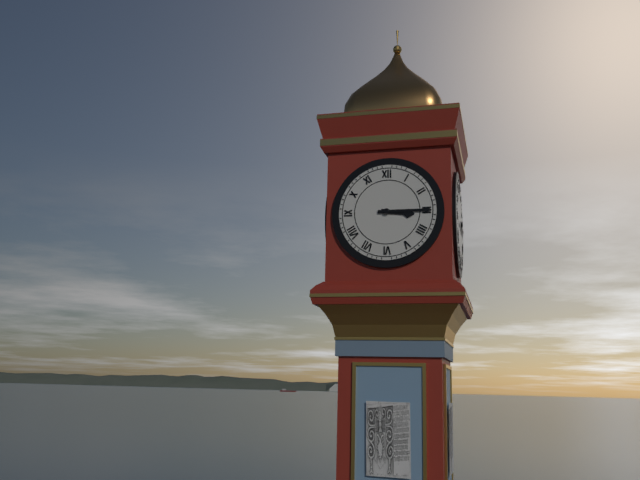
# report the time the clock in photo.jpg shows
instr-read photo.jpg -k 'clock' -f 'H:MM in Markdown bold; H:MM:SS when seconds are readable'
**3:15**
